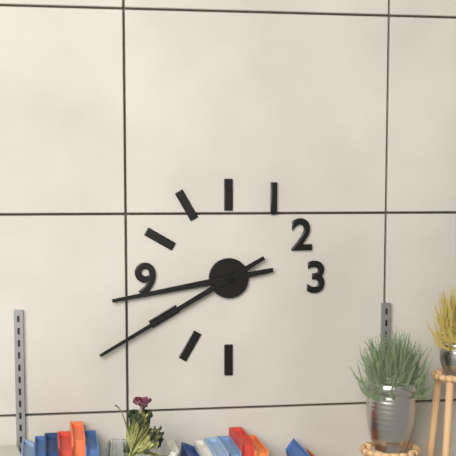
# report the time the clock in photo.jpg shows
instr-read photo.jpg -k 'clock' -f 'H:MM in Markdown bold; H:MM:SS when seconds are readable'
**8:40**
